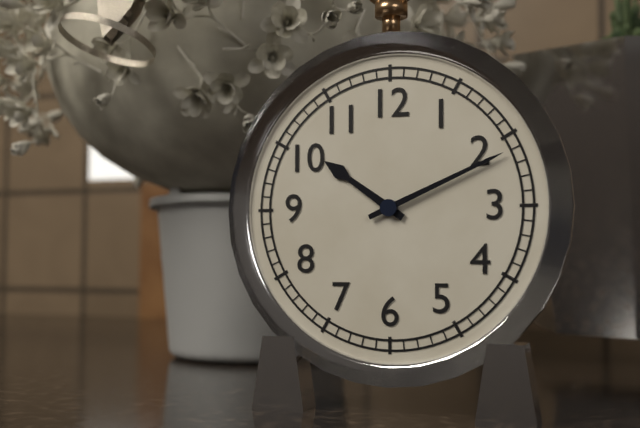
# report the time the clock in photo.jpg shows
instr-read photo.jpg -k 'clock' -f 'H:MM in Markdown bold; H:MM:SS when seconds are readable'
**10:11**
